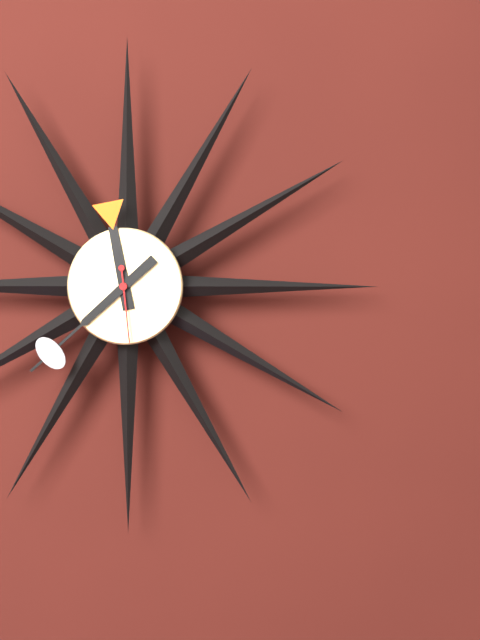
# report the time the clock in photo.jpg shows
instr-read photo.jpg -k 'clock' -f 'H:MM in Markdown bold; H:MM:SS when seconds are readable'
**11:38:29**
